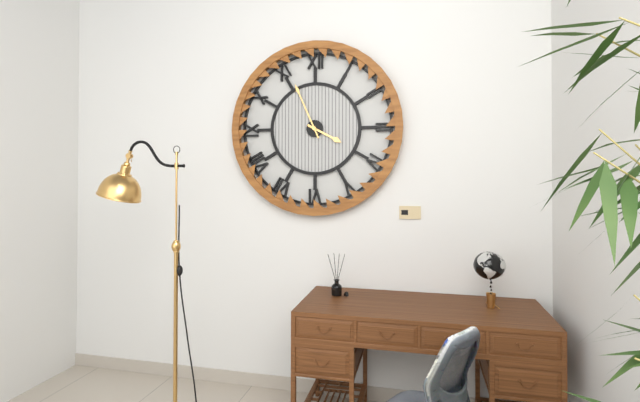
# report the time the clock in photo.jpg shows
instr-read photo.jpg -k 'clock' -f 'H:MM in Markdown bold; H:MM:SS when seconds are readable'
**3:56**
